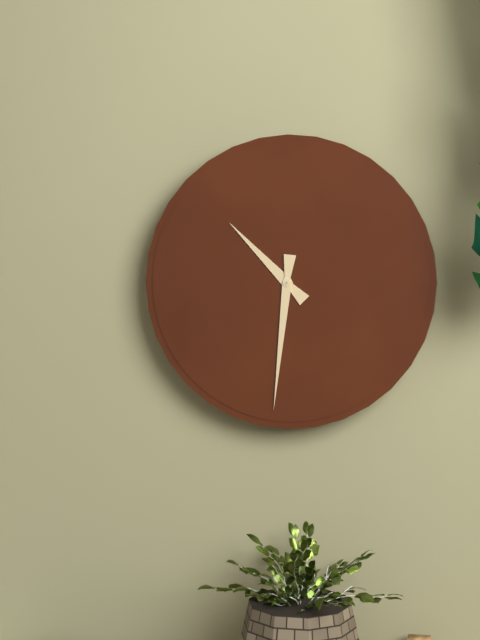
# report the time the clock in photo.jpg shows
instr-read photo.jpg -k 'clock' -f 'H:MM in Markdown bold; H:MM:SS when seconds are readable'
**10:31**
